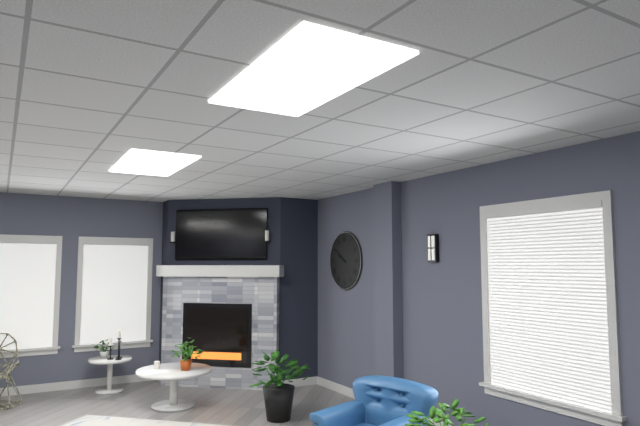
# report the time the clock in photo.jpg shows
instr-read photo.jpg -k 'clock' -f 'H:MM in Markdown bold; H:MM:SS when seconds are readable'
**9:51**
